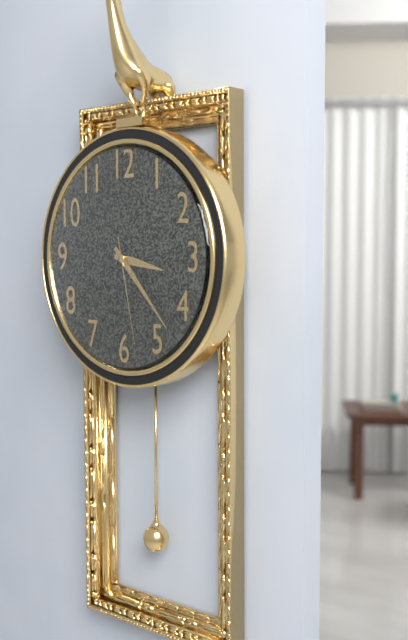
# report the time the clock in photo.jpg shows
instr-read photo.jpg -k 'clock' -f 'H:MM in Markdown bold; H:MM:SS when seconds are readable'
**3:23:28**
